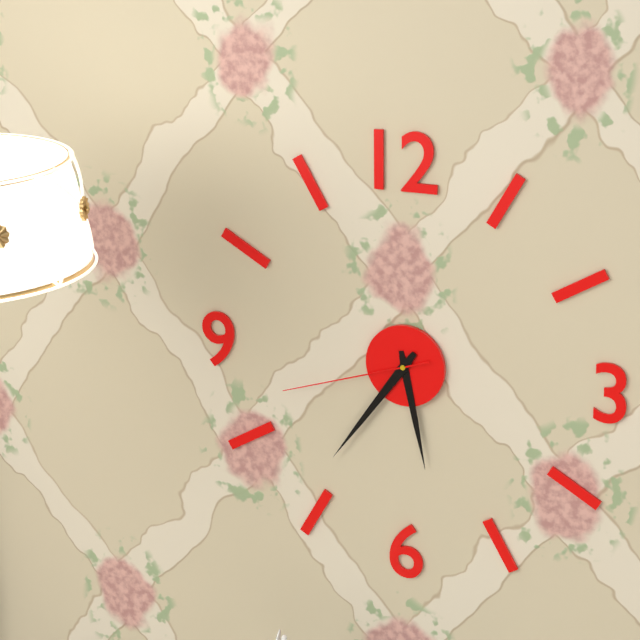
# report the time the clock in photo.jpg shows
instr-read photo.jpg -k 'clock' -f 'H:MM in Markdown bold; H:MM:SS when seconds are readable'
**5:36:42**
